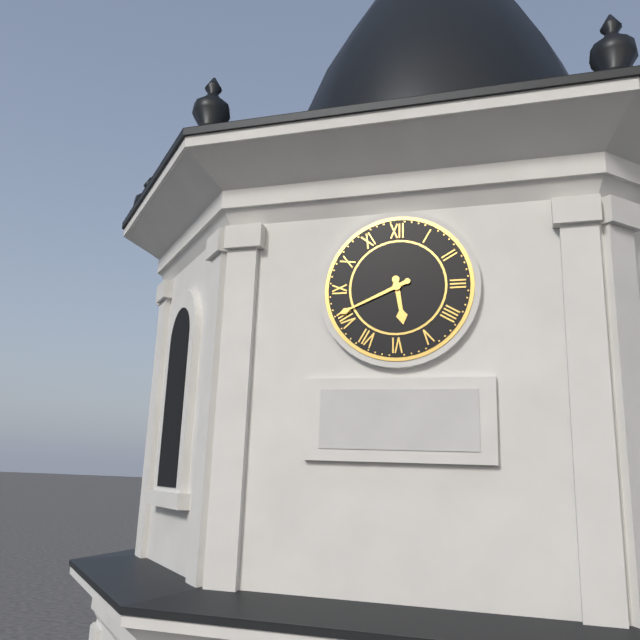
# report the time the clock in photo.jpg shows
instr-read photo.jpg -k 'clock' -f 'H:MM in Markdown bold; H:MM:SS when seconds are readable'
**5:41**
